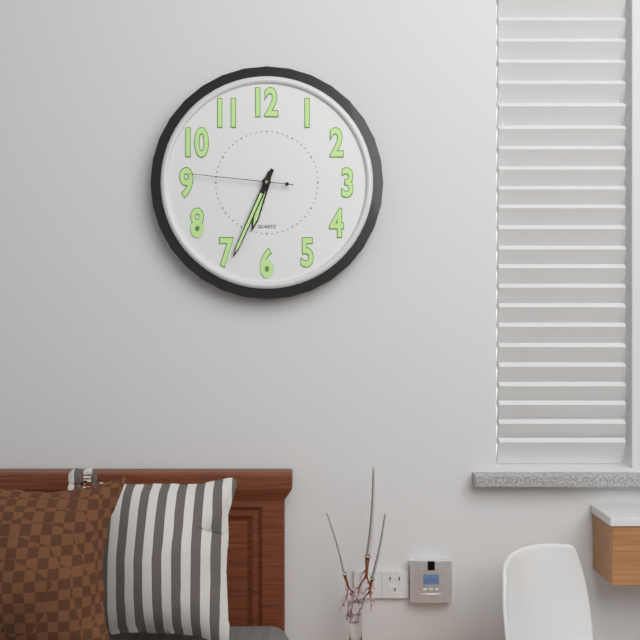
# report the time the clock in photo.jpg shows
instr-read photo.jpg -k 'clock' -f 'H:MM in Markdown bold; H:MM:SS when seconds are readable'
**6:34:46**
